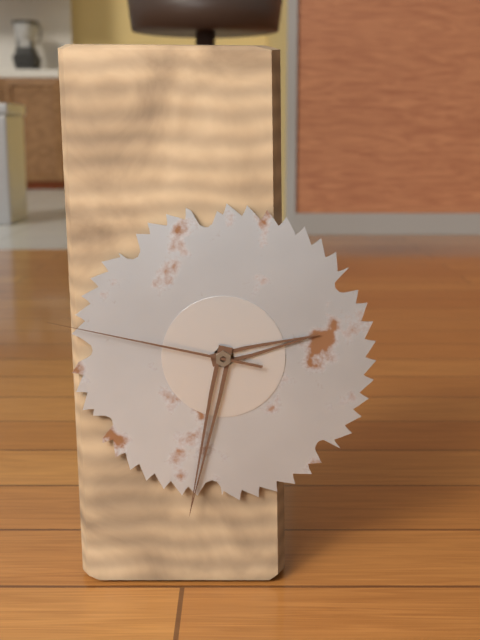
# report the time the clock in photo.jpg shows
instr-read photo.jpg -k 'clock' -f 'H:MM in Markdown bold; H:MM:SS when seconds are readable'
**2:32:47**
